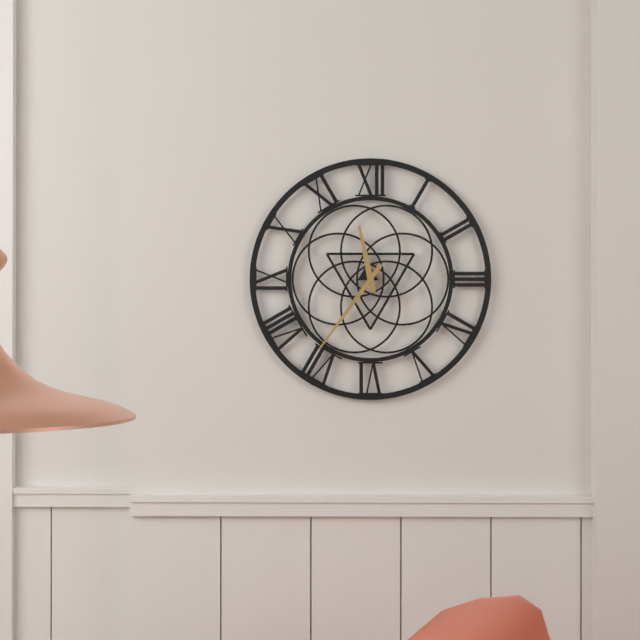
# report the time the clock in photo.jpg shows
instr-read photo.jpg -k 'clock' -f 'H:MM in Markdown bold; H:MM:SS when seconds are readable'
**11:36**
